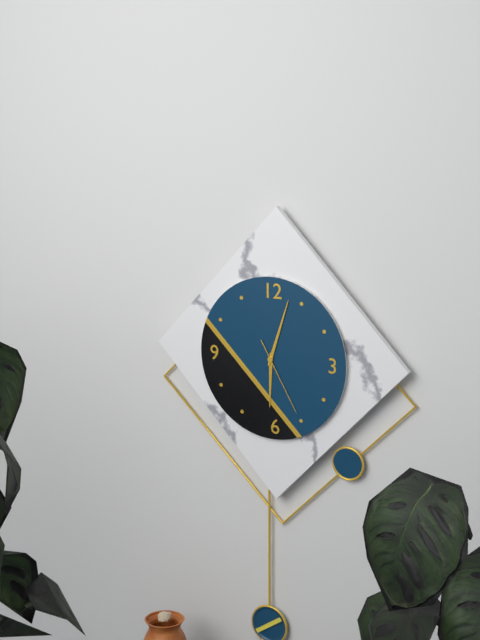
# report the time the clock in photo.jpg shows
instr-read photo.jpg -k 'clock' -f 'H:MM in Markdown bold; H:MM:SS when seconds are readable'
**6:03:25**
